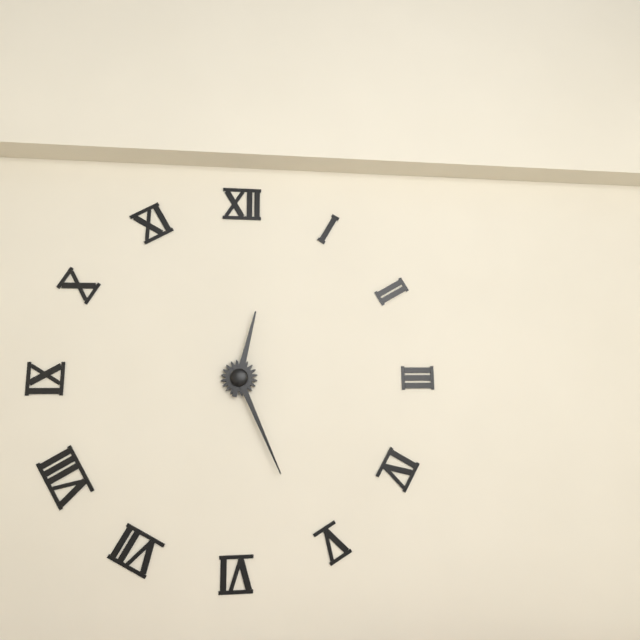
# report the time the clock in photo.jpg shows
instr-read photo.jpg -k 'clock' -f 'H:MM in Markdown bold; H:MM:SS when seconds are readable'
**12:26**
